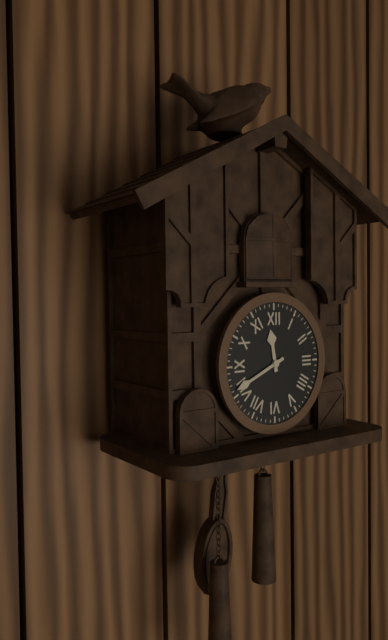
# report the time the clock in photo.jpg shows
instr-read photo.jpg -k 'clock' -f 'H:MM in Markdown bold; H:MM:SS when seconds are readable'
**11:41**
